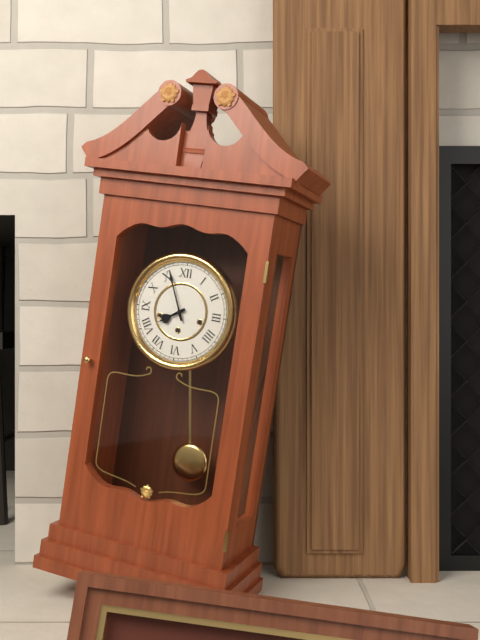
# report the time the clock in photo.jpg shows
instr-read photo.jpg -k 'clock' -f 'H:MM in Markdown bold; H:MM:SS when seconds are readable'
**7:56**
